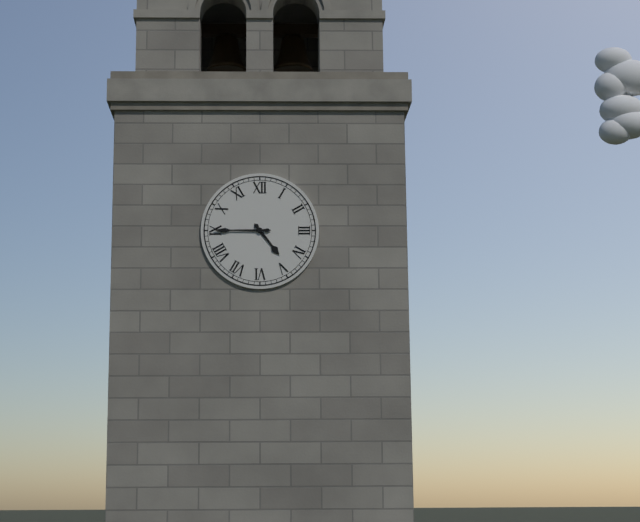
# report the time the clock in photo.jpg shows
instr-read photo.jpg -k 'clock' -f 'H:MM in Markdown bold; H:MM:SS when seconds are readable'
**4:45**
